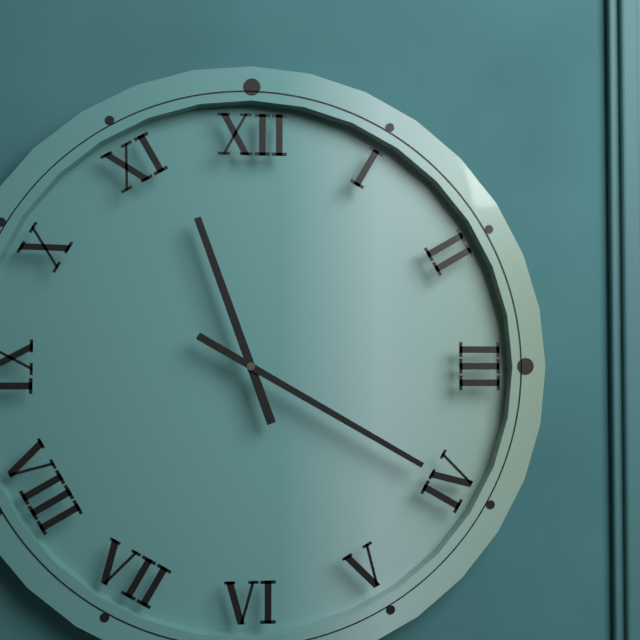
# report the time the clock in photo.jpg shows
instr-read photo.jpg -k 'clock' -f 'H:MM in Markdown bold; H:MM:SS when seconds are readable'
**11:20**
